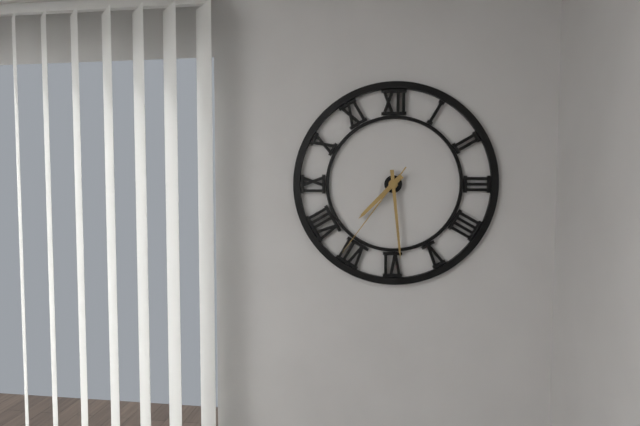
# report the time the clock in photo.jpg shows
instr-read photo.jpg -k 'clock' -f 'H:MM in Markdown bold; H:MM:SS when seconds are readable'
**7:29:36**
